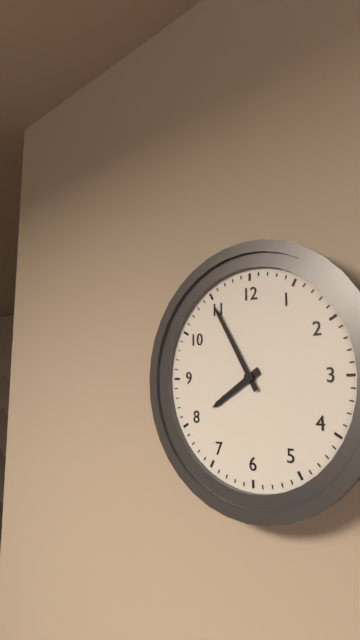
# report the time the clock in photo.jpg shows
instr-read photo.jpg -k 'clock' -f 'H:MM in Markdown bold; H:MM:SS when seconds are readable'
**7:55**
